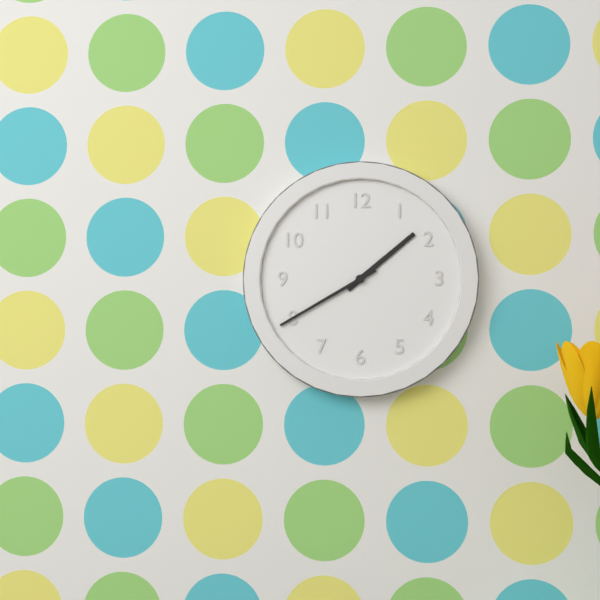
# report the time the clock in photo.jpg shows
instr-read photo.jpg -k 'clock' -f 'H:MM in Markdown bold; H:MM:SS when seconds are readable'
**1:40**
